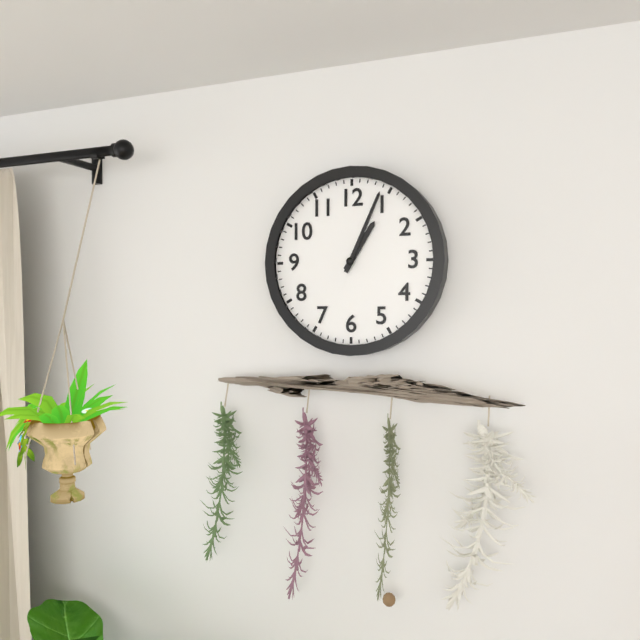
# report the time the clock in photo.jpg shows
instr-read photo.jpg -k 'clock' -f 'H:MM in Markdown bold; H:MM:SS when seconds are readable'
**1:04**
